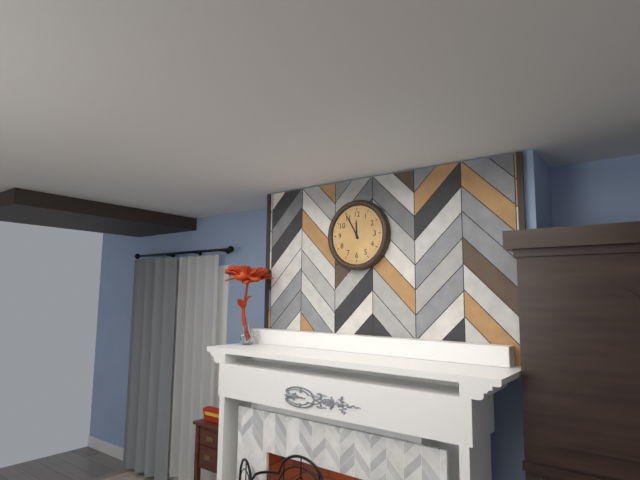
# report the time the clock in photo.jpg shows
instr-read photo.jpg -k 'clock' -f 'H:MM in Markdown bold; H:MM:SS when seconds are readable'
**11:55**
